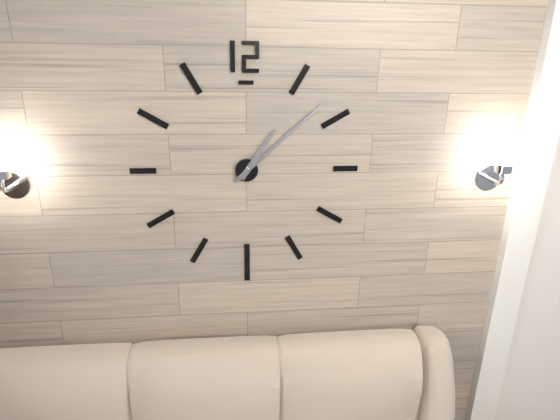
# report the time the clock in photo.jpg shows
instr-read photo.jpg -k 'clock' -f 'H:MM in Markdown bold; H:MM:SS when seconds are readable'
**1:08**
